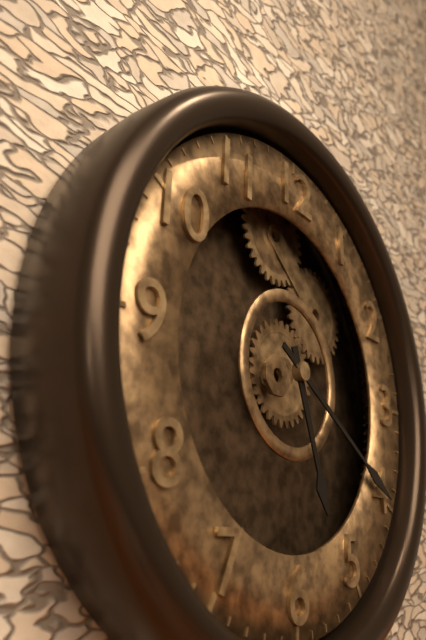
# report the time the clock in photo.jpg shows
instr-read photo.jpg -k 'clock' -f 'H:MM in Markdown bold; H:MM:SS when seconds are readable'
**5:20**
